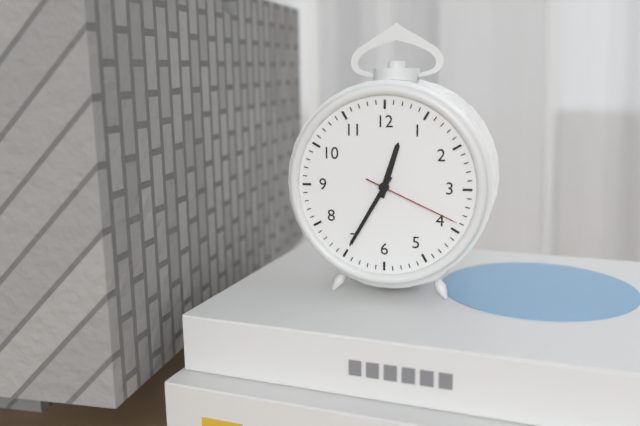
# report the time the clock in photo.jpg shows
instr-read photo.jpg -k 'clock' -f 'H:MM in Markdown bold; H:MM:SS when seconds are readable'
**12:35:19**
